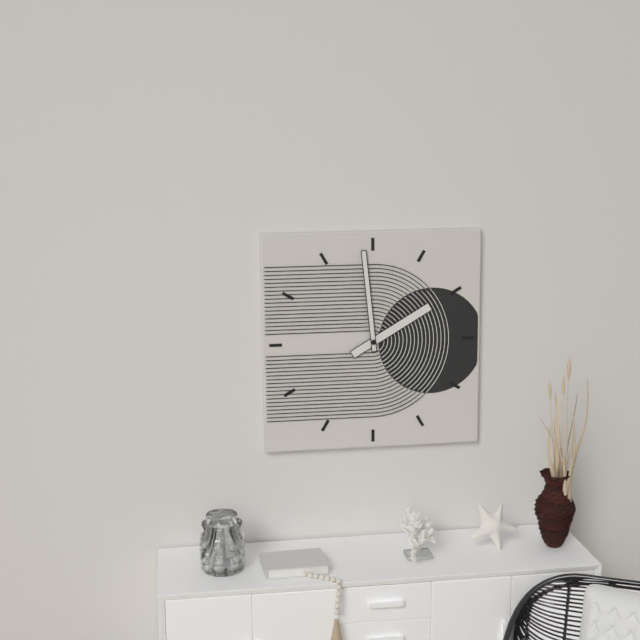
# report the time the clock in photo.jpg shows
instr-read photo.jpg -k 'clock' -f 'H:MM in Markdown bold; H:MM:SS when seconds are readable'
**1:59**
